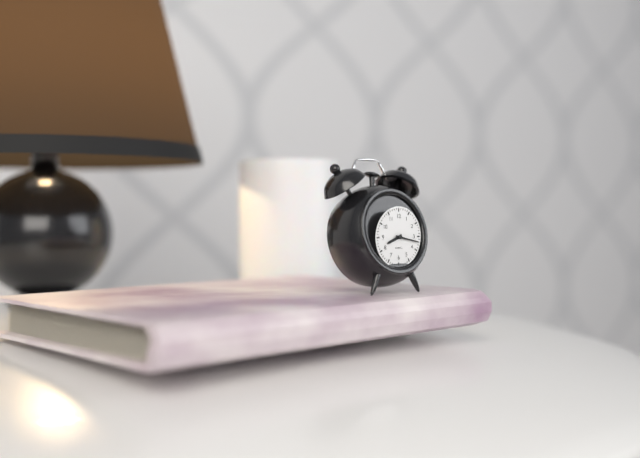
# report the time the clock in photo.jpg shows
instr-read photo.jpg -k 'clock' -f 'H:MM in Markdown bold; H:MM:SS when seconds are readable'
**8:17**
